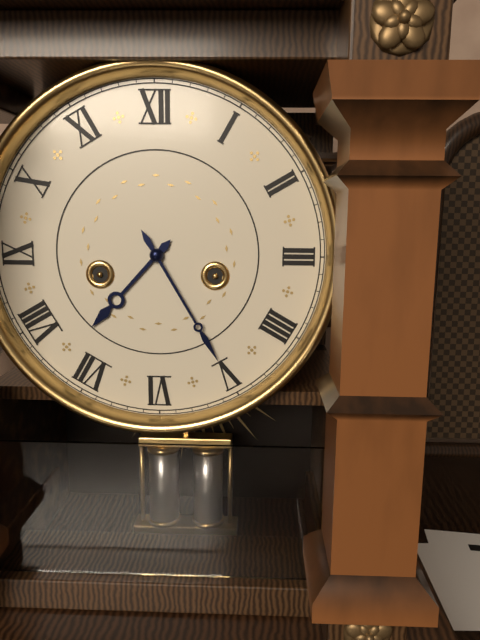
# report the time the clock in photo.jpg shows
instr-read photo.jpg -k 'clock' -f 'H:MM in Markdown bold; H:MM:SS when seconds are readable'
**7:25**
